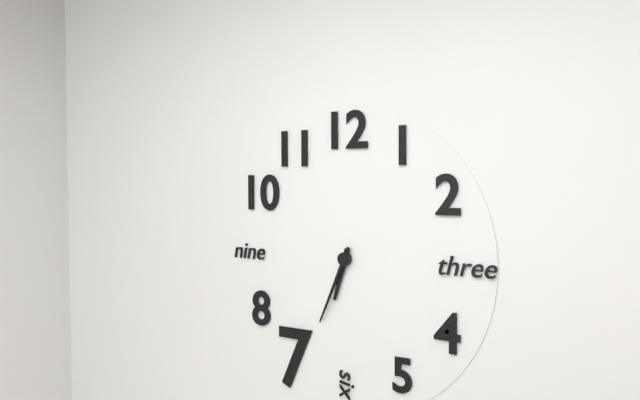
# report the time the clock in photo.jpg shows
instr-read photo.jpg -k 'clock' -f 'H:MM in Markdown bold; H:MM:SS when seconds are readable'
**6:34**
